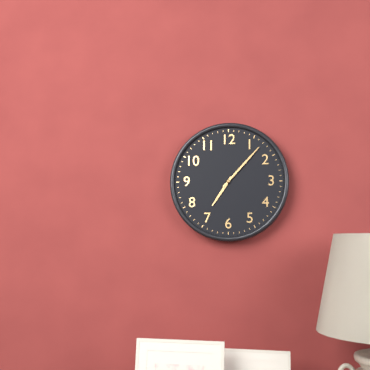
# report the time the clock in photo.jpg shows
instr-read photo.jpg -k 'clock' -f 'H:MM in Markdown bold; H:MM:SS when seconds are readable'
**7:07**
